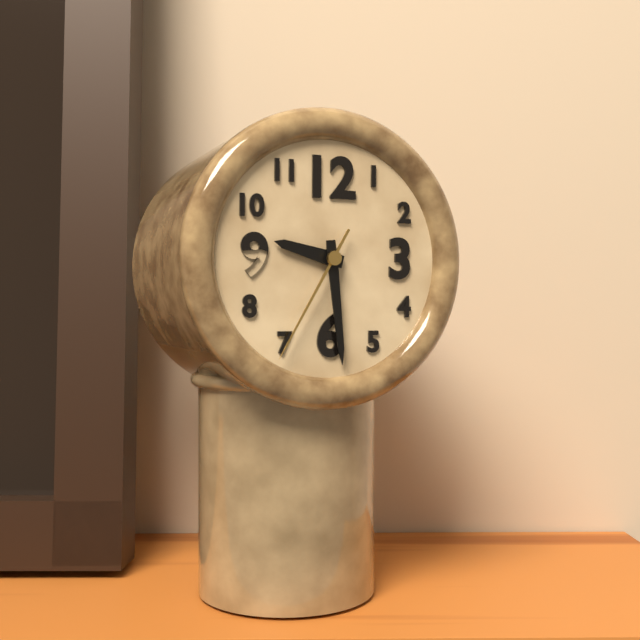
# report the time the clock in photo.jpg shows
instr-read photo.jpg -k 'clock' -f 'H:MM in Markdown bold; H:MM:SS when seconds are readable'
**9:29:35**
